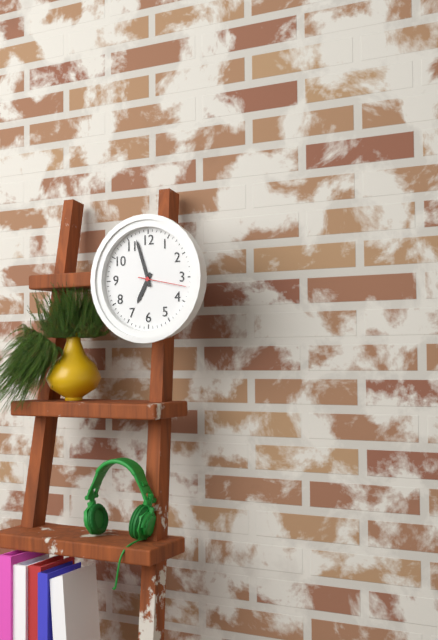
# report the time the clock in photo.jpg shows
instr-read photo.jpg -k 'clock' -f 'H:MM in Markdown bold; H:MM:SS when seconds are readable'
**6:57**
